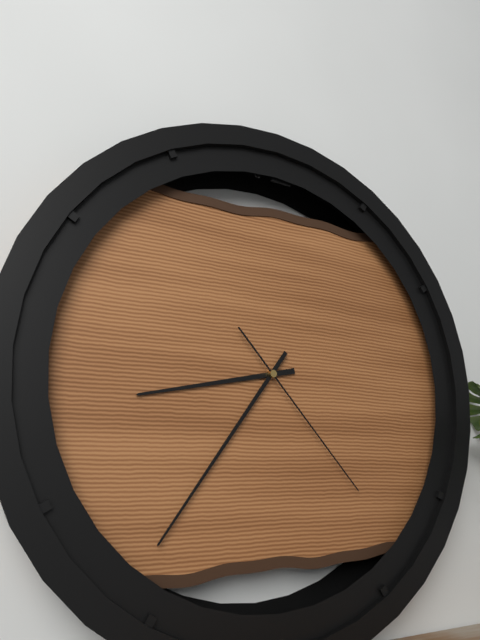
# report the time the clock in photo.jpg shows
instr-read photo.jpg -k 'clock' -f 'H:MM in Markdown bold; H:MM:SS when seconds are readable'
**8:36:23**
